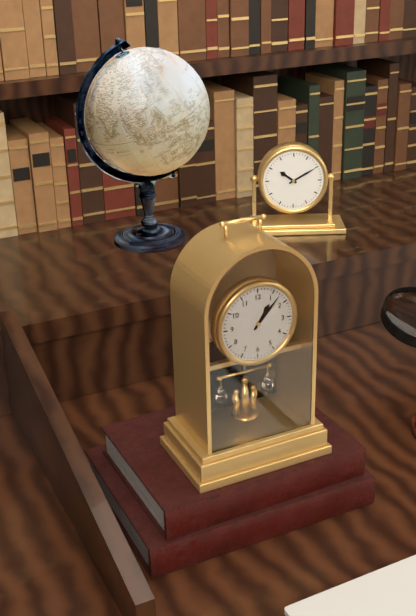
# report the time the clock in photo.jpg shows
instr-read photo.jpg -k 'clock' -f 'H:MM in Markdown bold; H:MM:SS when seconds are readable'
**1:07**
